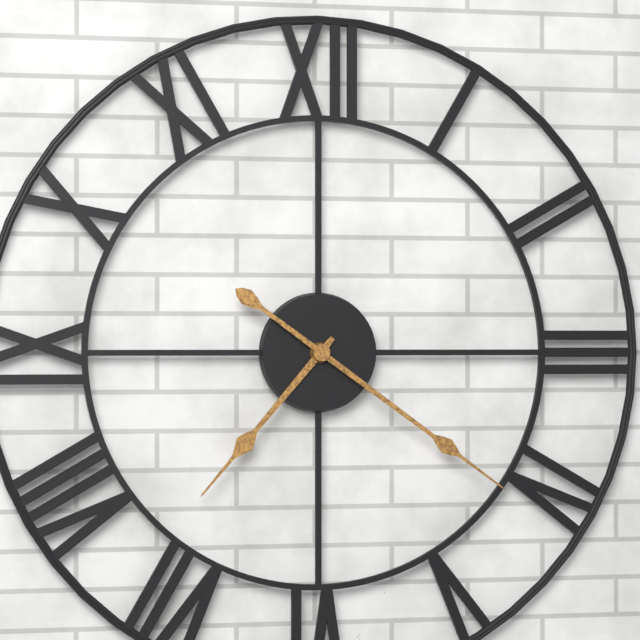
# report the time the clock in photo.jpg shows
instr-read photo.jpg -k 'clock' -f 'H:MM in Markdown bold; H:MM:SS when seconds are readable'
**7:21**
